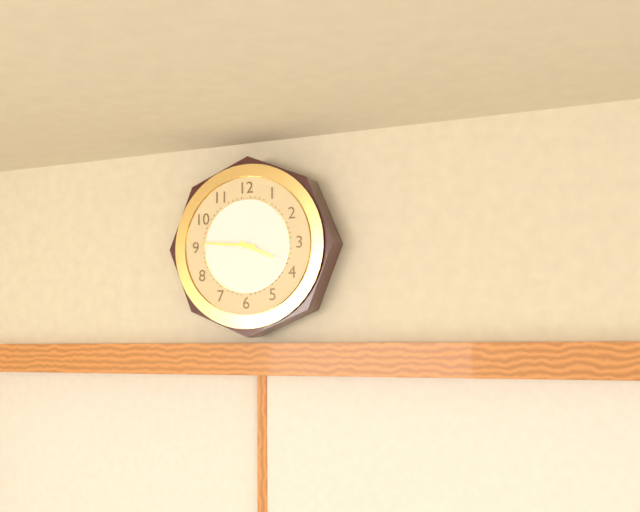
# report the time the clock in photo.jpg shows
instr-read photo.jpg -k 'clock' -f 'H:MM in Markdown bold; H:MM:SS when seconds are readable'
**3:46**
